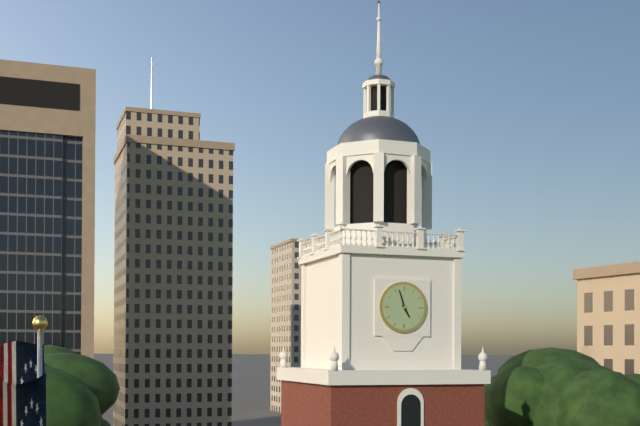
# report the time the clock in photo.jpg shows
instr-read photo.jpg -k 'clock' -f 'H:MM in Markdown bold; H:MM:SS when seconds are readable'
**4:57**
